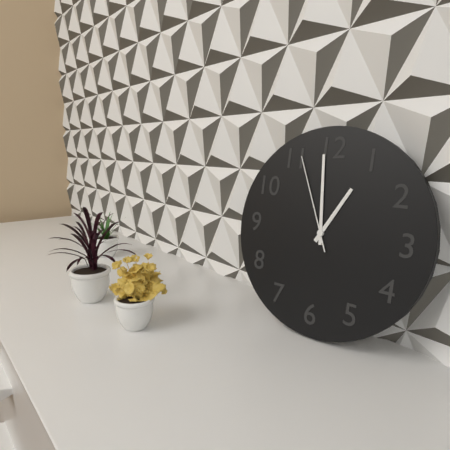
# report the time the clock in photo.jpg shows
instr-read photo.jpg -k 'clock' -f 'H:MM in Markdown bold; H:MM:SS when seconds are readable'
**12:59:56**
